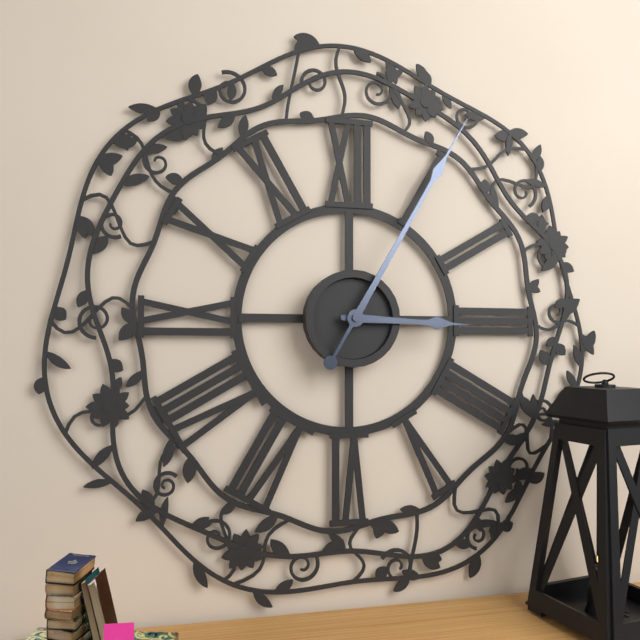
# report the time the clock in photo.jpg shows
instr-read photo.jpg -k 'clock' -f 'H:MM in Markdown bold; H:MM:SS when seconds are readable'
**3:05**
